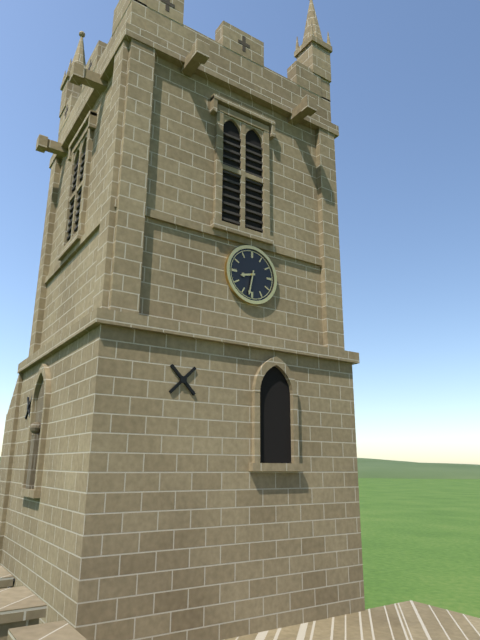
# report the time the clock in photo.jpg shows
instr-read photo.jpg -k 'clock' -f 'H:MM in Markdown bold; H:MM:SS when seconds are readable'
**8:32**
